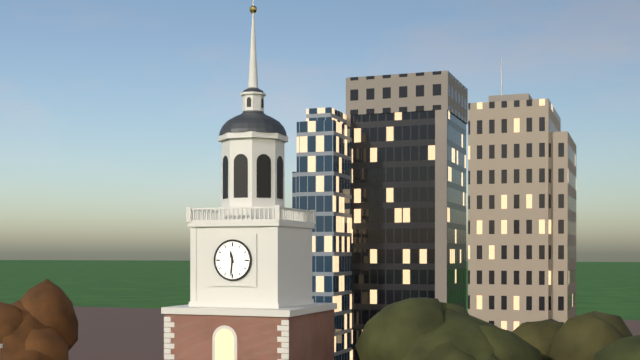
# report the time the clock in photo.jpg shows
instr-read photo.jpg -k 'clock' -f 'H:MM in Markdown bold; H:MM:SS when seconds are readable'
**11:31**
